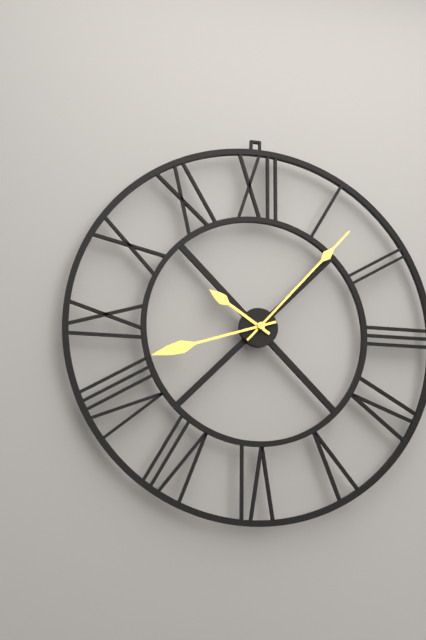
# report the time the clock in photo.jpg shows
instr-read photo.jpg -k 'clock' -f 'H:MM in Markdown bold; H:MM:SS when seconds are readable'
**10:07:42**
